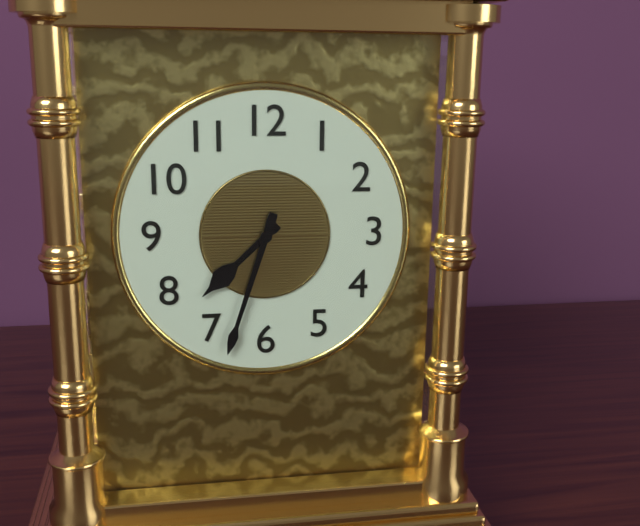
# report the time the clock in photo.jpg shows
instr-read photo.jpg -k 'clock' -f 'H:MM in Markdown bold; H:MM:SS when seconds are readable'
**7:33**
